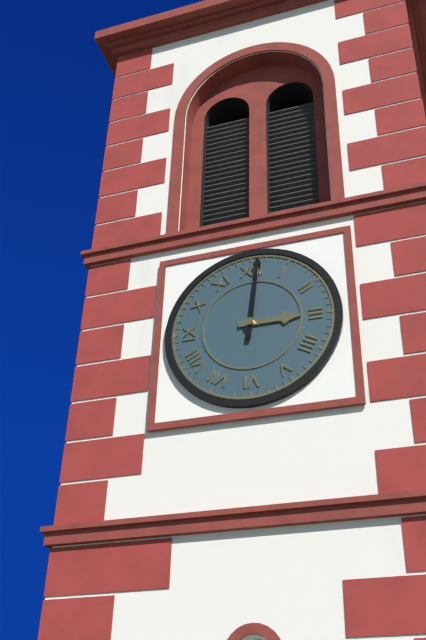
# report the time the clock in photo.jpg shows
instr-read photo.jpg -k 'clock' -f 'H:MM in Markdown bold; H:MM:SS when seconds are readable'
**3:01**
